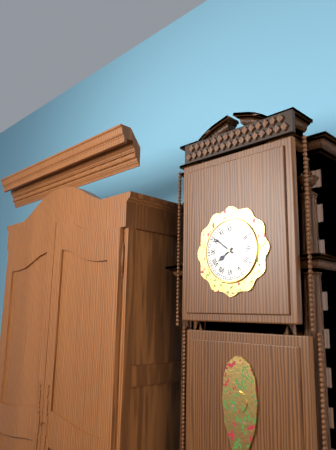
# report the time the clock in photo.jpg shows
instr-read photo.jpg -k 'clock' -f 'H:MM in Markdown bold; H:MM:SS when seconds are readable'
**7:51**
